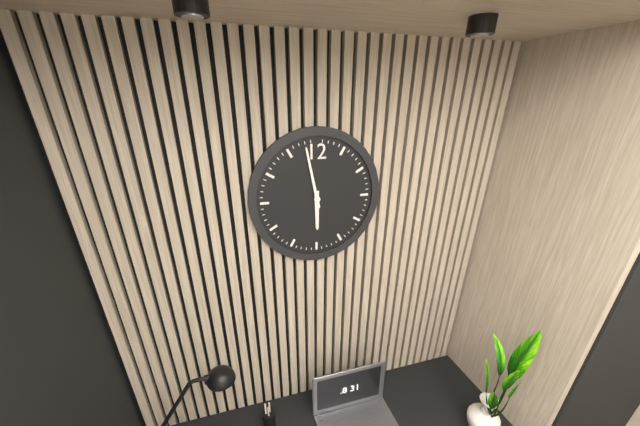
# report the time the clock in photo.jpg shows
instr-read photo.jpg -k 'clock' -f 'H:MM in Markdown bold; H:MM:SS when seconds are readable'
**5:58**
